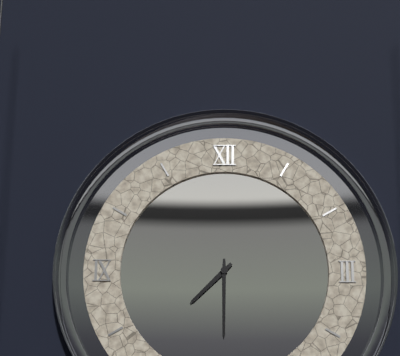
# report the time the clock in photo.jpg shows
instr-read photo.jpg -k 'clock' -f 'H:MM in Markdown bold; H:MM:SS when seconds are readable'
**7:30**
